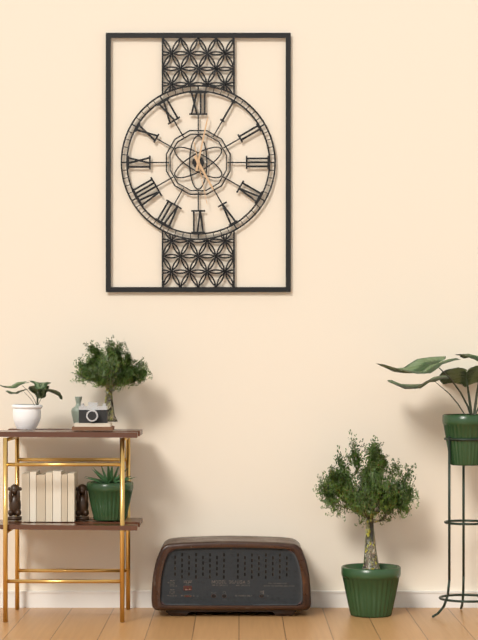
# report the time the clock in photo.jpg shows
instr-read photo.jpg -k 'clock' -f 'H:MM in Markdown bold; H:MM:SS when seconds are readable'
**5:02:28**
